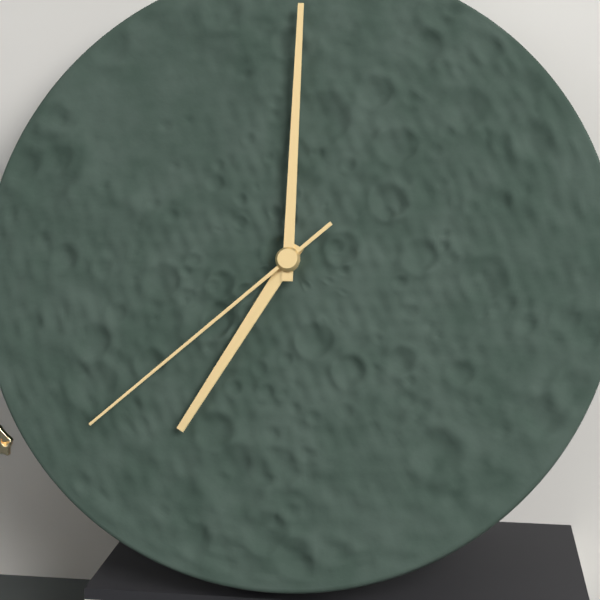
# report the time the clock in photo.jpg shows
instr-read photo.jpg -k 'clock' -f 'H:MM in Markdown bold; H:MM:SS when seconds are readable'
**7:00:38**
